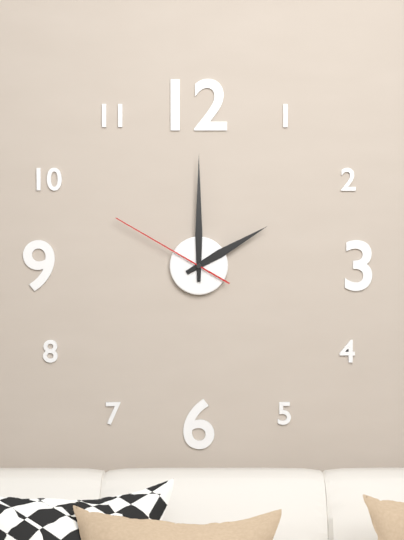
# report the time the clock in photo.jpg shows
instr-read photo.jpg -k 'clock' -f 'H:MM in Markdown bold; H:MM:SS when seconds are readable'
**2:00:50**
